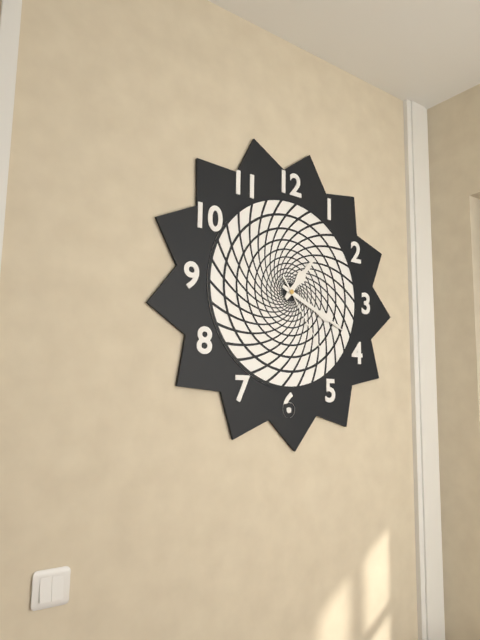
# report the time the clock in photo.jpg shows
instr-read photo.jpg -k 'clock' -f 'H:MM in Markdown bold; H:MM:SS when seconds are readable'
**1:19:24**
